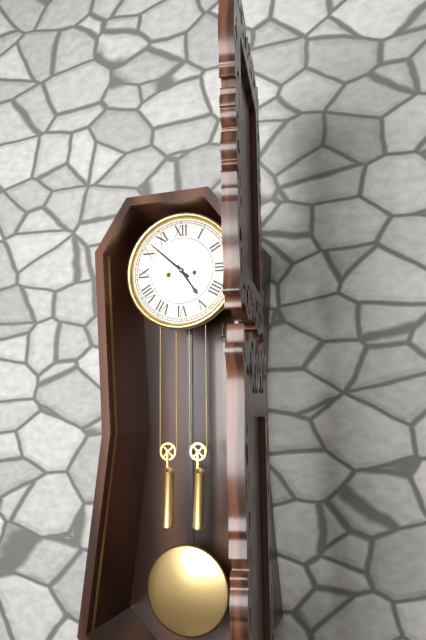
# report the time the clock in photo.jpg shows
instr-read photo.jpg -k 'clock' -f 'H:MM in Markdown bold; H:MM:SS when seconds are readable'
**4:52**
